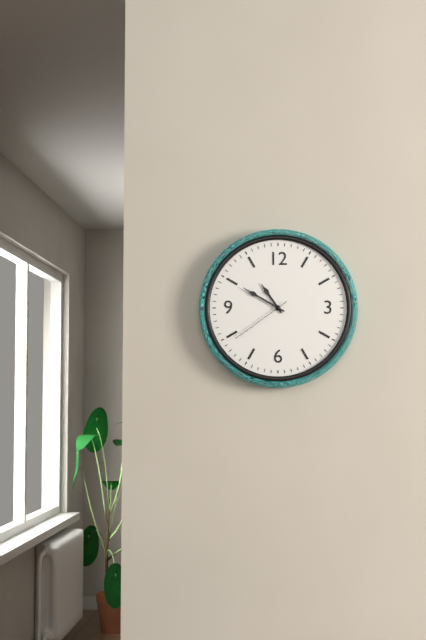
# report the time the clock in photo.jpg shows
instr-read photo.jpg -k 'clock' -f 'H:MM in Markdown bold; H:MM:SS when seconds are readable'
**10:50:39**
